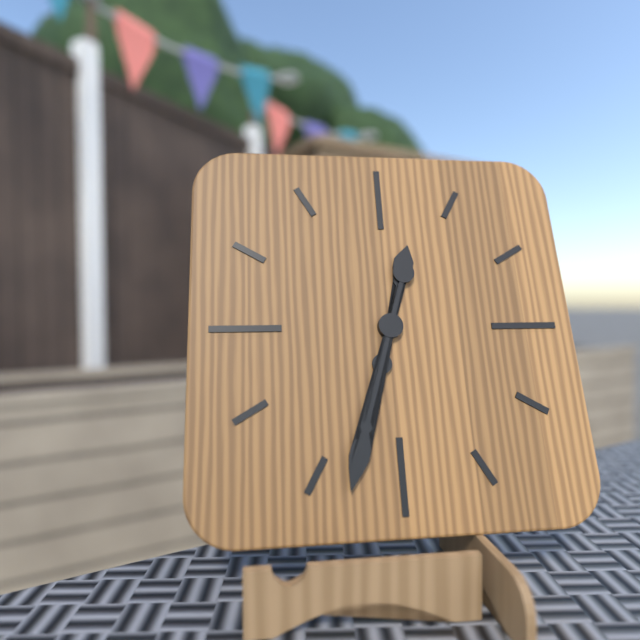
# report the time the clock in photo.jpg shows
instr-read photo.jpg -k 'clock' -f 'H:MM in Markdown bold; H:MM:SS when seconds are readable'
**12:33**
